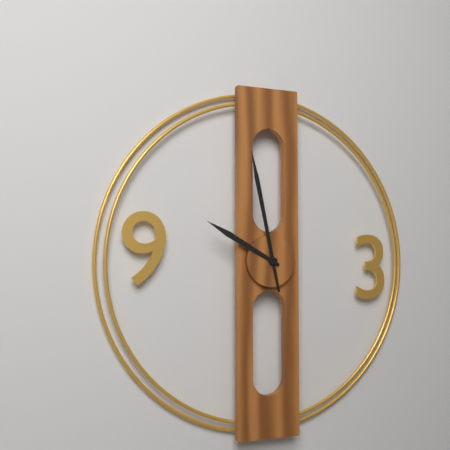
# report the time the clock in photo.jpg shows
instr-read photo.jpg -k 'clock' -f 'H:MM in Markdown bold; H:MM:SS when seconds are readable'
**9:58**
